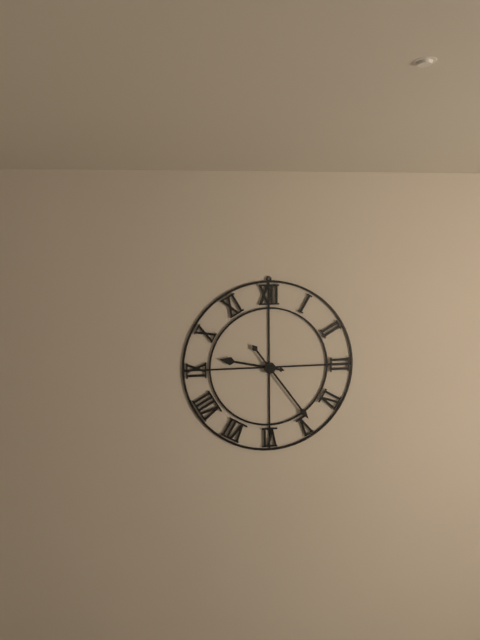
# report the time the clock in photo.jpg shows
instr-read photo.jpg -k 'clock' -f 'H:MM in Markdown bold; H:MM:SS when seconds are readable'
**9:24**
